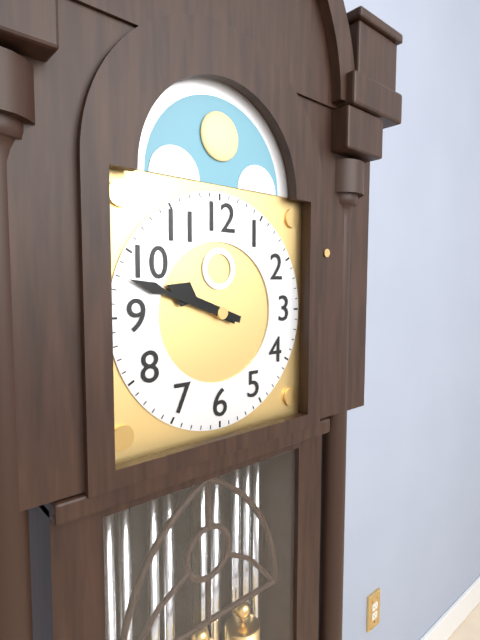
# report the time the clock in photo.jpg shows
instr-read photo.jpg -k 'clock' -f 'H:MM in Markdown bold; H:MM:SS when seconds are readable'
**9:48**
